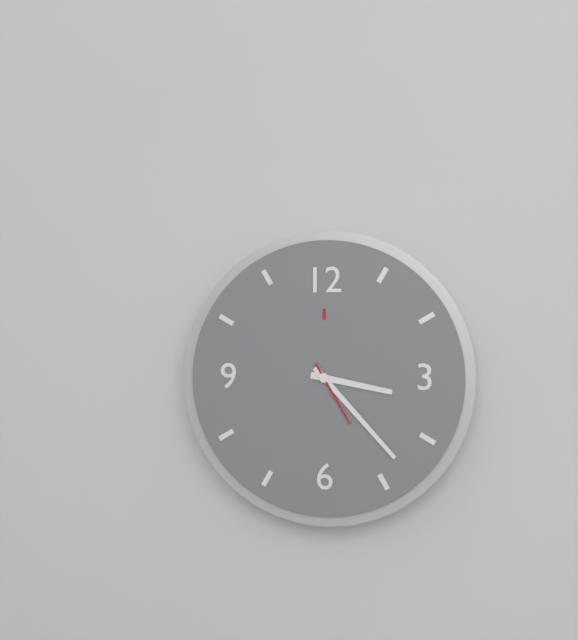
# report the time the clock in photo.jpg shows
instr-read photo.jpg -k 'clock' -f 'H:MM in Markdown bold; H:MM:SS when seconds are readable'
**3:23:25**
